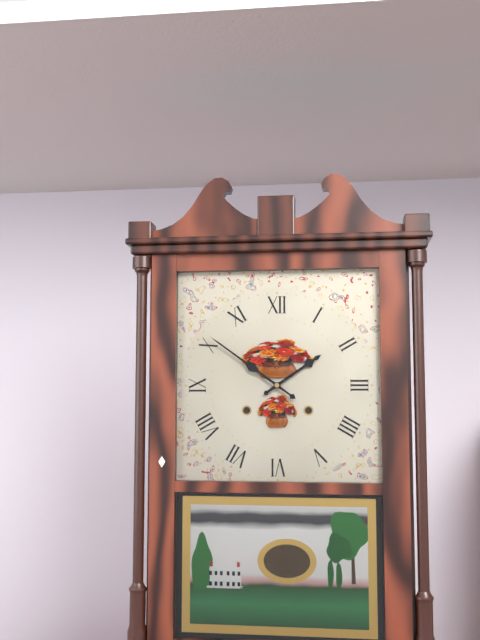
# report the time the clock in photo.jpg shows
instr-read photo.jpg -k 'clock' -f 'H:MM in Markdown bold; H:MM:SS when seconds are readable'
**1:51**
